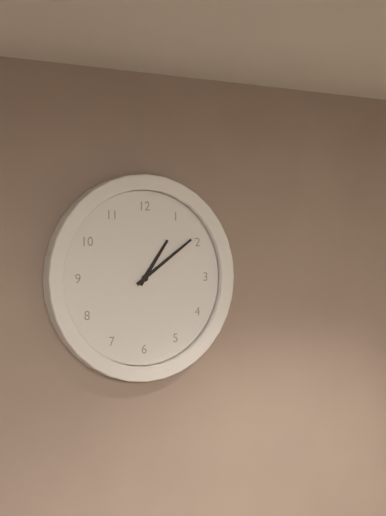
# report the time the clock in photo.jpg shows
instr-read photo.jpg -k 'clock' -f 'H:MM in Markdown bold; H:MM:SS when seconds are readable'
**1:09**
